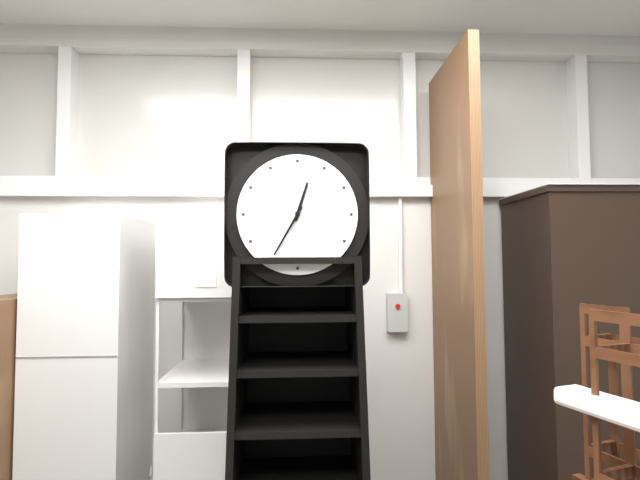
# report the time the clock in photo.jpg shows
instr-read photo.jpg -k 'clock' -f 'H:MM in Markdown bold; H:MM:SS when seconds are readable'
**12:35**
